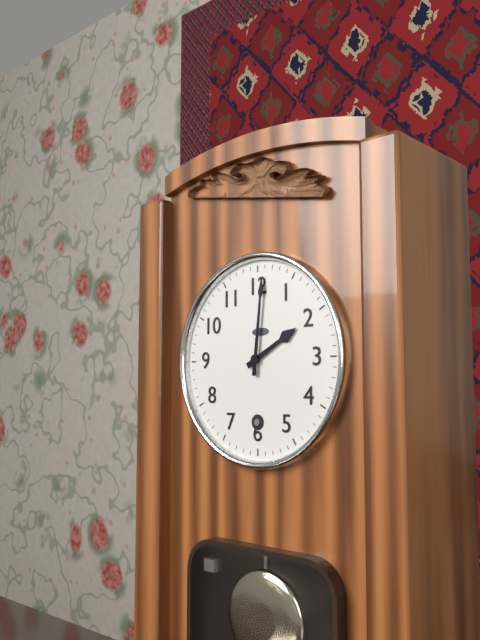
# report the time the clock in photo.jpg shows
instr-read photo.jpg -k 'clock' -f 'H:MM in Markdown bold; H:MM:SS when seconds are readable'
**2:01**
